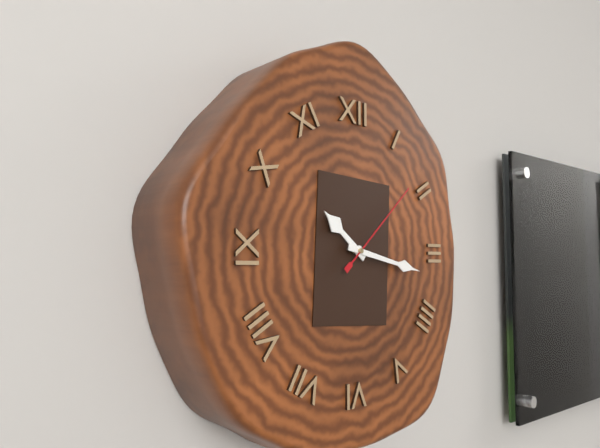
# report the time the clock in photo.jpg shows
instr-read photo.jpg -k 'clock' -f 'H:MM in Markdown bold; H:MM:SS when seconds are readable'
**10:17:08**
